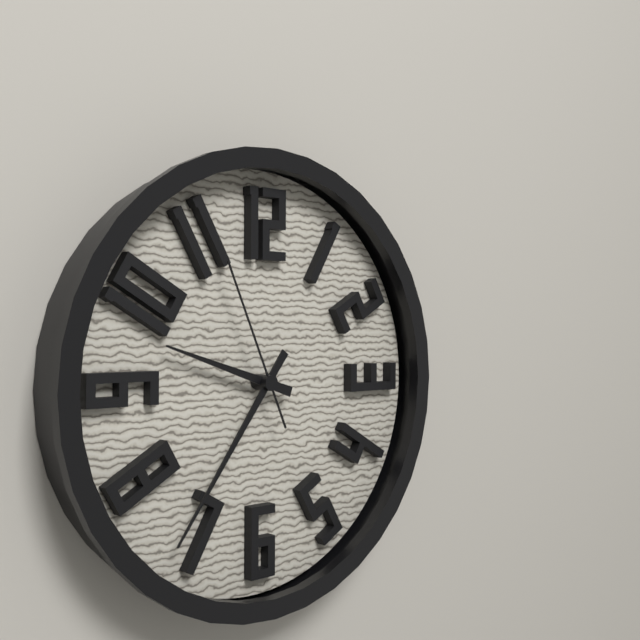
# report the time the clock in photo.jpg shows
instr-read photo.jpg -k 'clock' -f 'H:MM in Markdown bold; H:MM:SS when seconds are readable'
**9:36:56**
